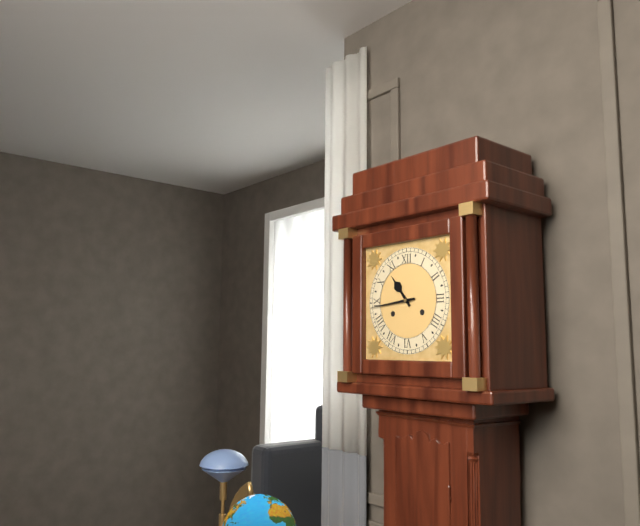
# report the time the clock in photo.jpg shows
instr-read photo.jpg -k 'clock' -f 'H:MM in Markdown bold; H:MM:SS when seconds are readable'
**10:44**
